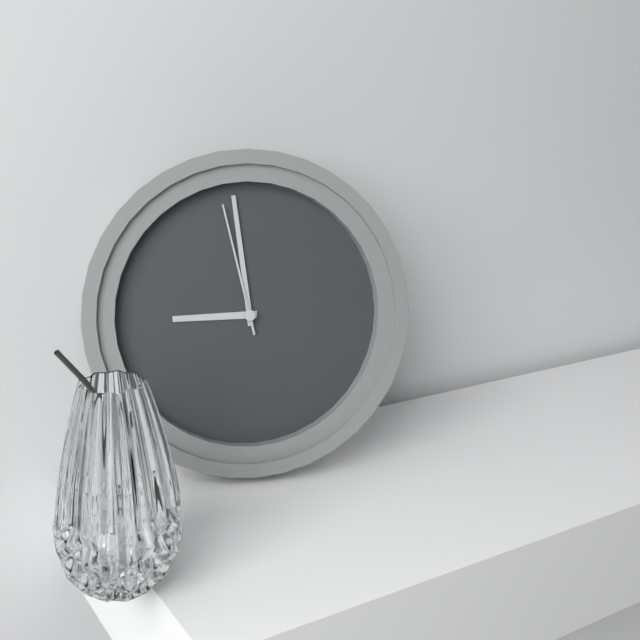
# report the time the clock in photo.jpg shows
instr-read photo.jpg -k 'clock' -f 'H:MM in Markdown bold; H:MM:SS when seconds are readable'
**8:59:58**
